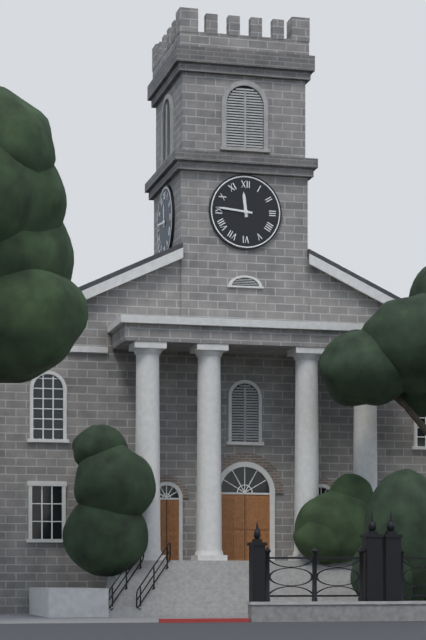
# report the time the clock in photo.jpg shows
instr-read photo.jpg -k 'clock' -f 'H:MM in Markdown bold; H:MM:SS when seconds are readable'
**11:46**
